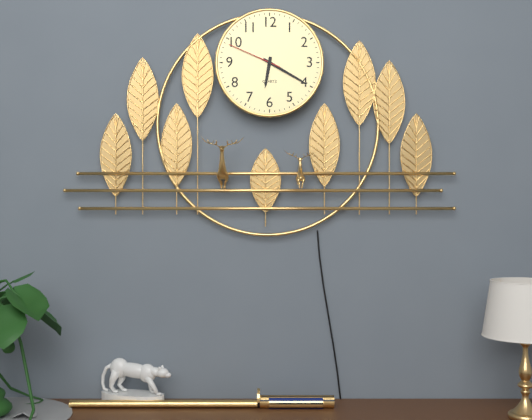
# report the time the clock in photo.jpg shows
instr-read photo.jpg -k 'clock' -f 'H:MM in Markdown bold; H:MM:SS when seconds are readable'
**6:20:49**
